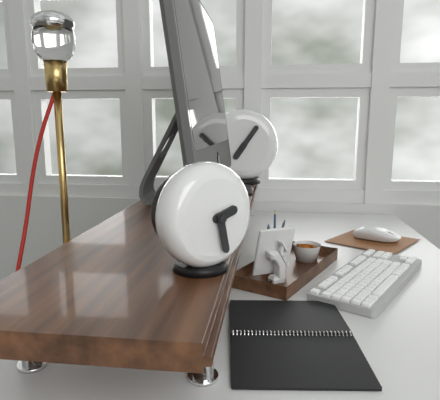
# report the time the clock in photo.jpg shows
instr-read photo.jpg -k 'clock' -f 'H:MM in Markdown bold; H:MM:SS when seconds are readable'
**2:28**
